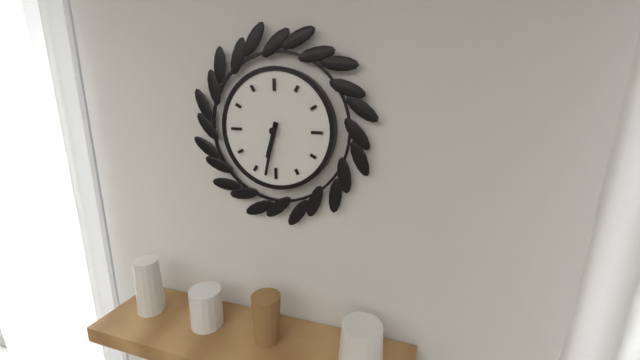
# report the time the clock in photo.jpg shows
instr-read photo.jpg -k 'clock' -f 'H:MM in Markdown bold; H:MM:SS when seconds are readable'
**6:32**
